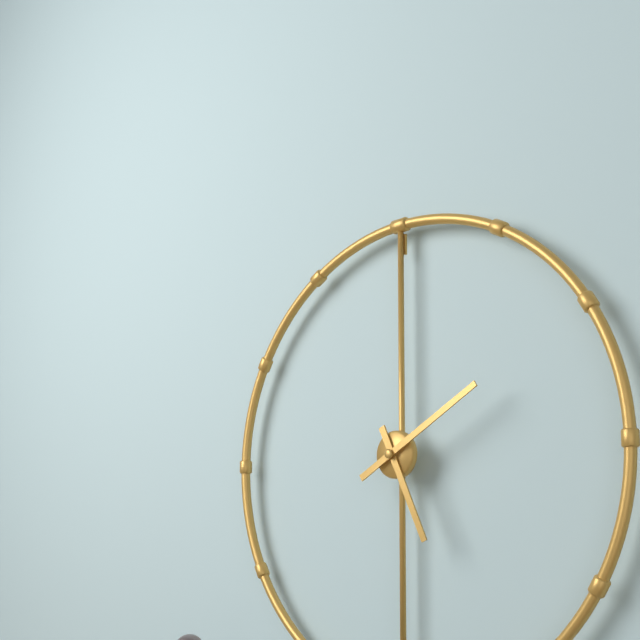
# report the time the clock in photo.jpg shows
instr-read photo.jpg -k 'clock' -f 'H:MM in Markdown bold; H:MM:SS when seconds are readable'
**5:10**
